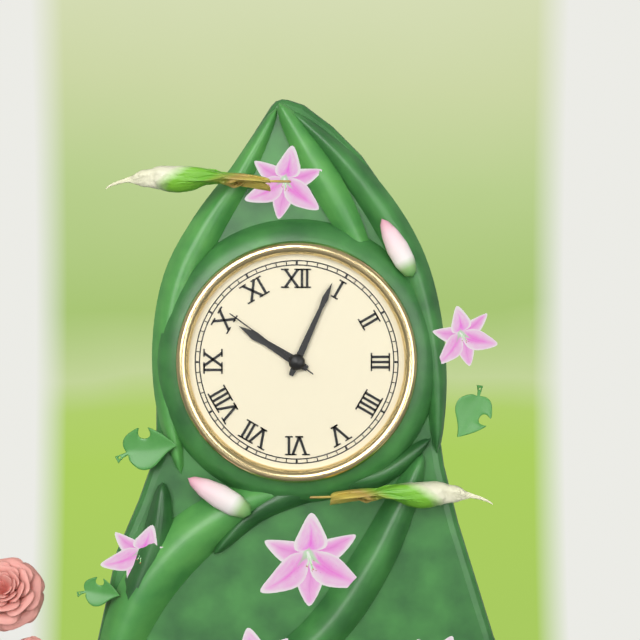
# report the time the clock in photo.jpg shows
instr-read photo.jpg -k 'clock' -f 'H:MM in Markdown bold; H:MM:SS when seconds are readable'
**10:04:51**
